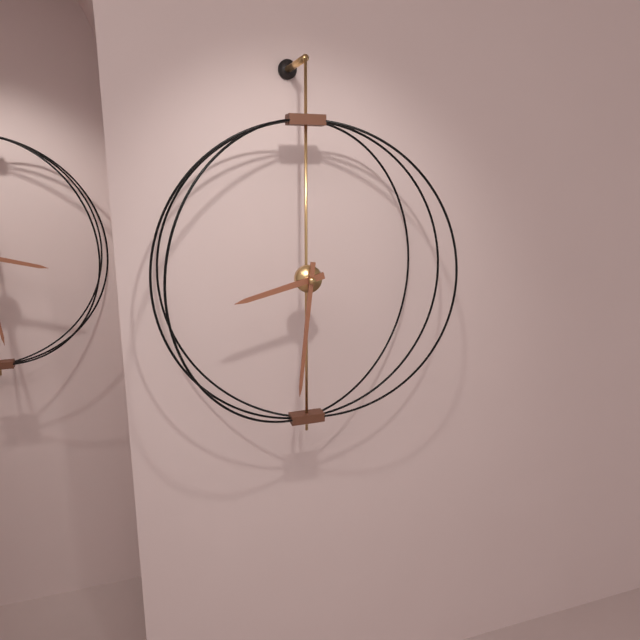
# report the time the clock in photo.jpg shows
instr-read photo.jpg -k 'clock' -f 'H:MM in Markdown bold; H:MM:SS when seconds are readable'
**8:31**
